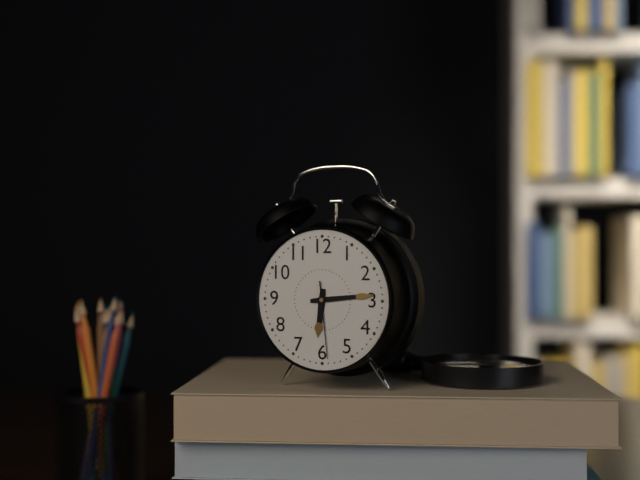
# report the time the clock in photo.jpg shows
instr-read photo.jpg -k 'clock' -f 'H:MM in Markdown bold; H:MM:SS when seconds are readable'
**6:14:29**
